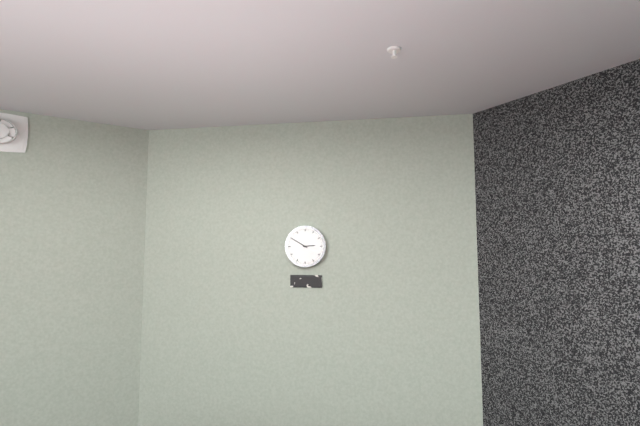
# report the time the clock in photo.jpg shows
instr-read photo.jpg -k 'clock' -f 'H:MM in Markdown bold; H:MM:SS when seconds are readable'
**2:50**
